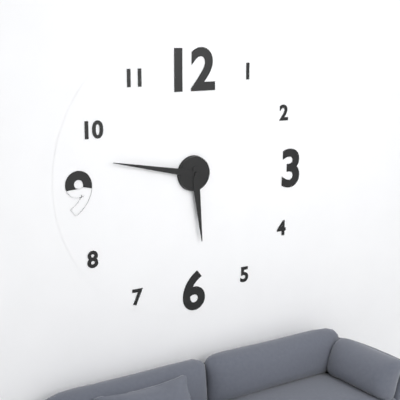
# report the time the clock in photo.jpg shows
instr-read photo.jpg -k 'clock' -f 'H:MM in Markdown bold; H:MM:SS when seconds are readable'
**5:47**
